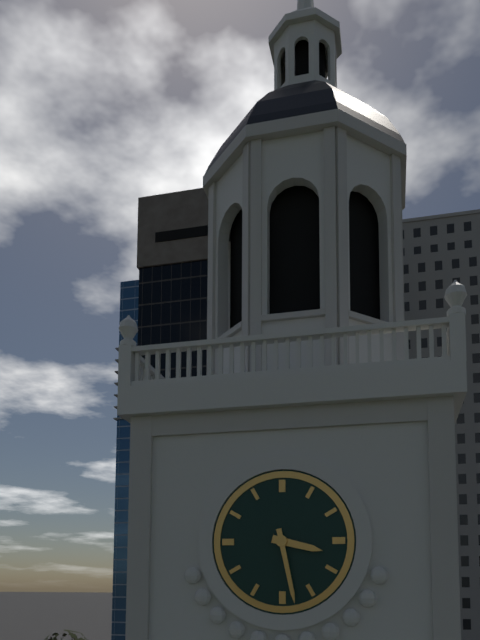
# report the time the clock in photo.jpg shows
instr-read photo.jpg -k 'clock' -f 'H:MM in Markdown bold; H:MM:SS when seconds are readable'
**3:28**
